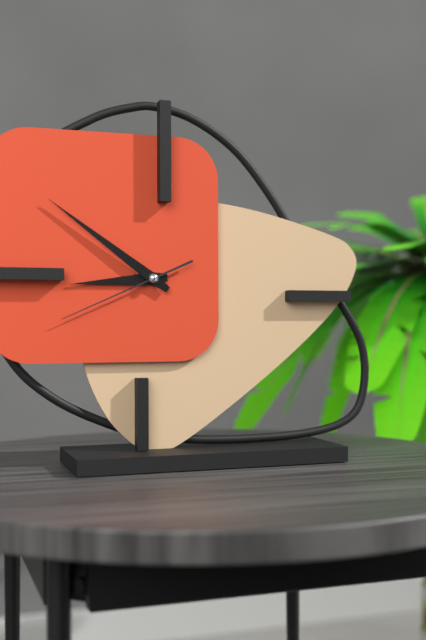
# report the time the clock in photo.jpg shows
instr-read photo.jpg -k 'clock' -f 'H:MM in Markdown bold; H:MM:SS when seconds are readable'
**8:51:41**
